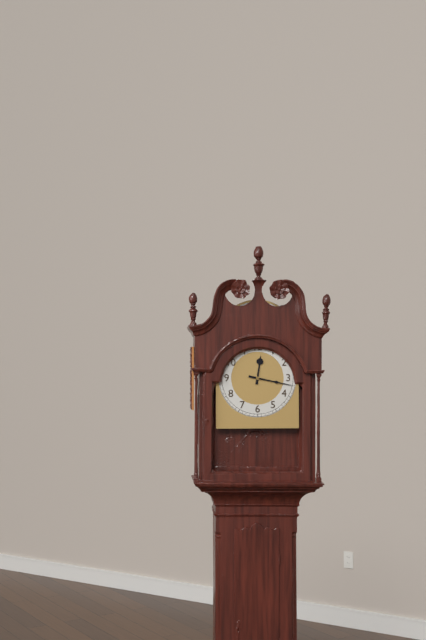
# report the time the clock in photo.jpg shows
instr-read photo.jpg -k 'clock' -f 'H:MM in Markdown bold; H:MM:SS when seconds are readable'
**12:17**
